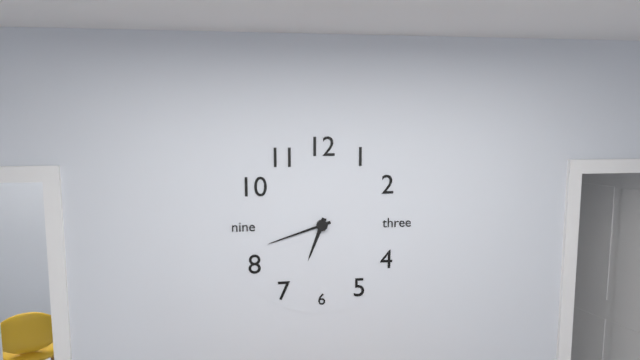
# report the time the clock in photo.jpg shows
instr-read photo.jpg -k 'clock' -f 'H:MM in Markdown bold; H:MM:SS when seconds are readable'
**6:42**
